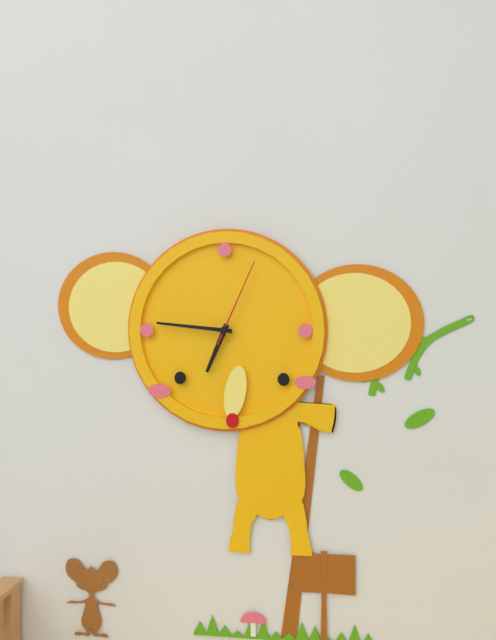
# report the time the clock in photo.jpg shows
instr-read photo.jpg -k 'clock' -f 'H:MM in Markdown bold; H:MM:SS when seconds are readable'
**6:46:04**
